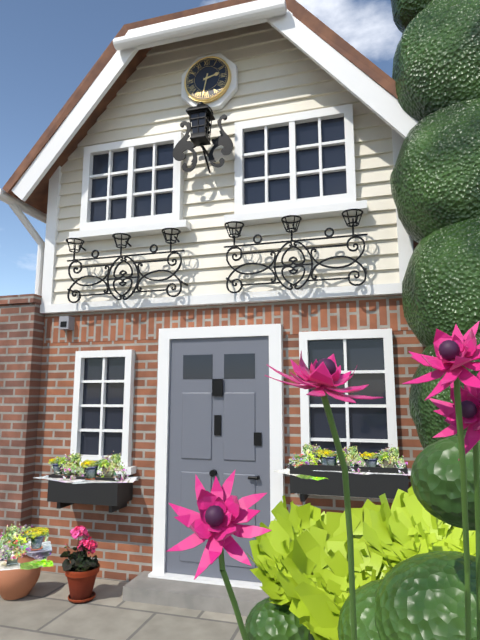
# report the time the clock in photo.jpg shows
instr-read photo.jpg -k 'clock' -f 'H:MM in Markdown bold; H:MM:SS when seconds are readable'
**2:32**
